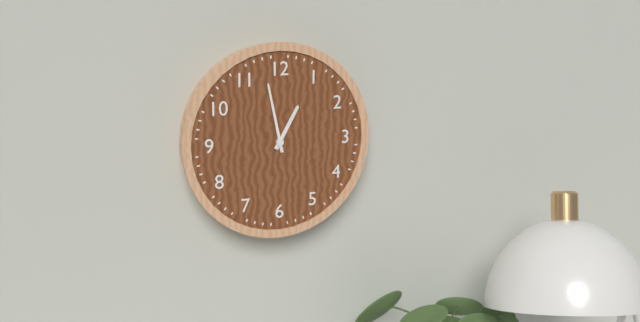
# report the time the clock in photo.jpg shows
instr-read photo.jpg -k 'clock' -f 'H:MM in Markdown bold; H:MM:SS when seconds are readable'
**12:58**
